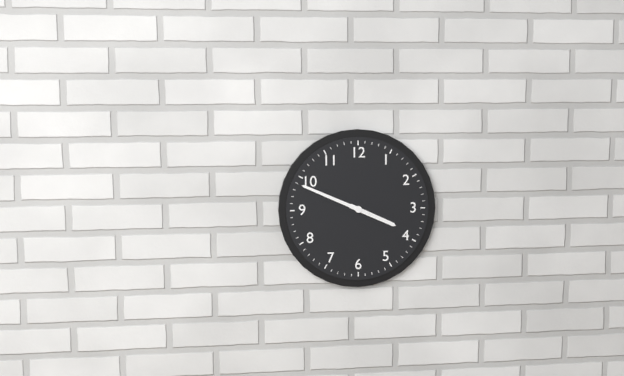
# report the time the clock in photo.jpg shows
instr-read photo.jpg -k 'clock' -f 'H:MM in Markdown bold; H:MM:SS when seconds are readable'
**3:49**
